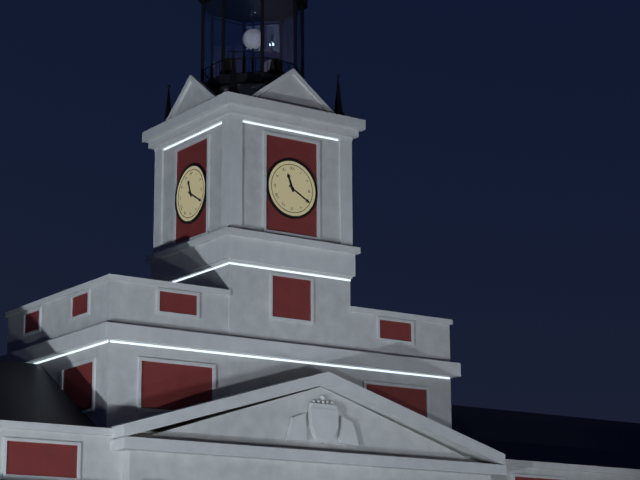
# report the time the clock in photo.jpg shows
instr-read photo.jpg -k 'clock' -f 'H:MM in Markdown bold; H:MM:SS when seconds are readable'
**11:20**
